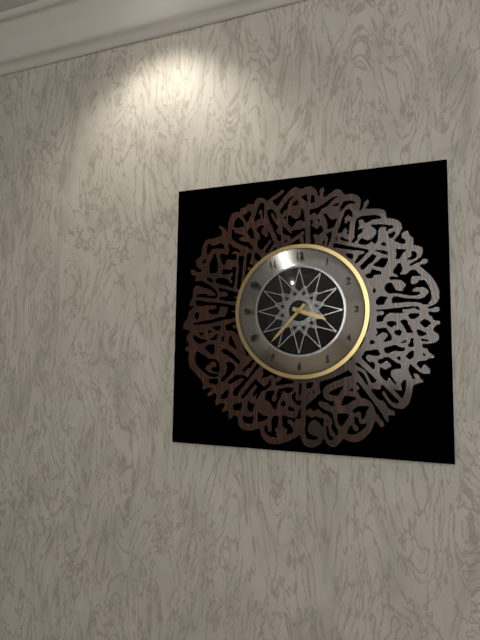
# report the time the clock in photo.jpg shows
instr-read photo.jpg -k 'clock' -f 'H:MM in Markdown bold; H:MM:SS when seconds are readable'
**3:37**
